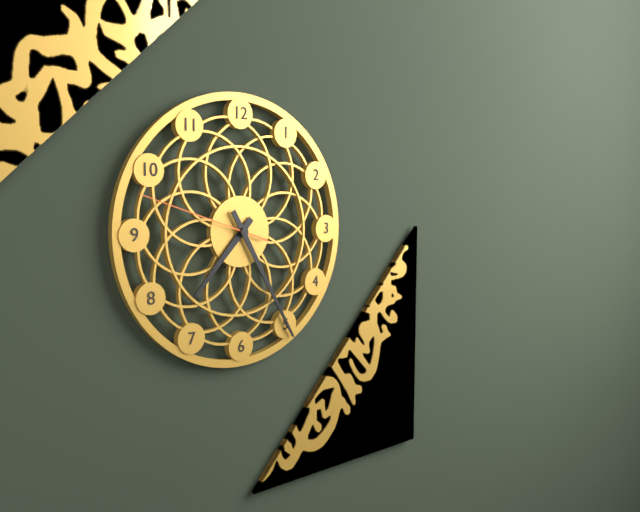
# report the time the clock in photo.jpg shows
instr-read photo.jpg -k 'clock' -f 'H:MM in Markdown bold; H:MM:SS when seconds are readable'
**7:25:48**
